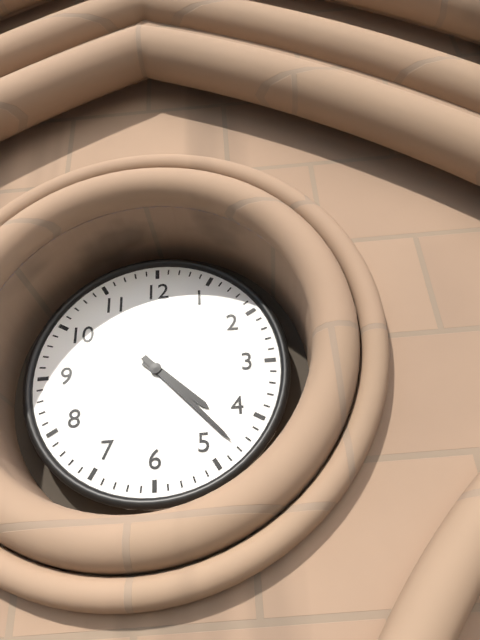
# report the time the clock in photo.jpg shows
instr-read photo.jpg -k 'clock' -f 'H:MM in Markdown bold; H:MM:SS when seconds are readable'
**4:23**
